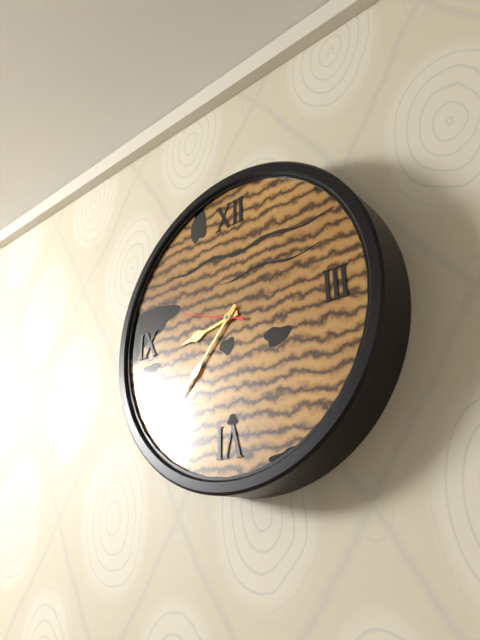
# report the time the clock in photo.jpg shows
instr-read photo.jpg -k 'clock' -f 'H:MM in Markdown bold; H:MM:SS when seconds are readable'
**8:37:48**
